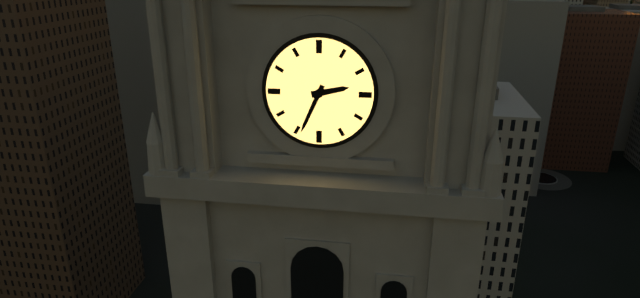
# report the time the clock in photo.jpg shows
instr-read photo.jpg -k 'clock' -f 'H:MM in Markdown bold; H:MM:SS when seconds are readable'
**2:34**
